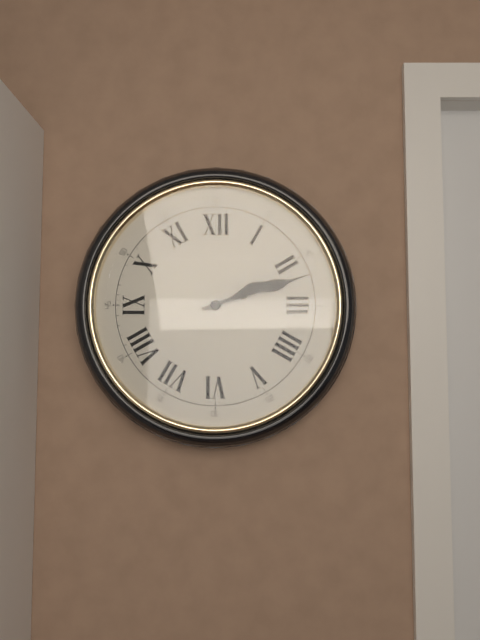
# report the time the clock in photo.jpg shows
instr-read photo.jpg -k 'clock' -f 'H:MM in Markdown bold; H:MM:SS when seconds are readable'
**2:12**
